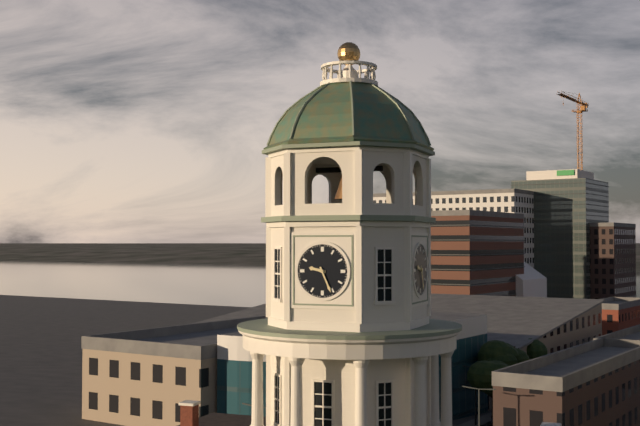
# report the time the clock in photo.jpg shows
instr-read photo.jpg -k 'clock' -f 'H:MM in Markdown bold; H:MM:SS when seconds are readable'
**9:26**
